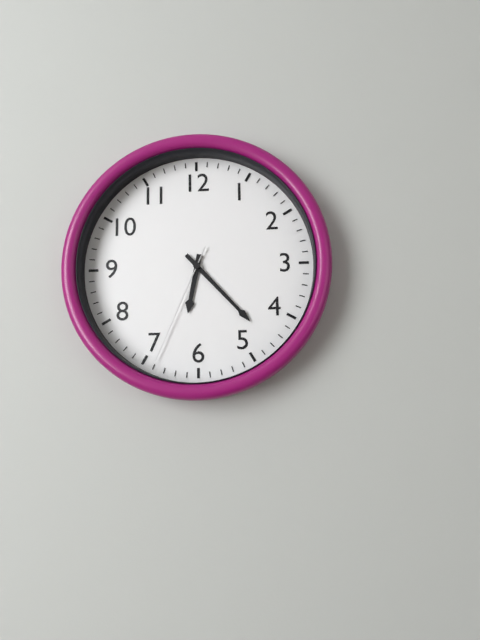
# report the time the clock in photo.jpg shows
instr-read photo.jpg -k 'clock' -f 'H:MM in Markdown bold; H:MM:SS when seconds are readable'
**6:23:34**
